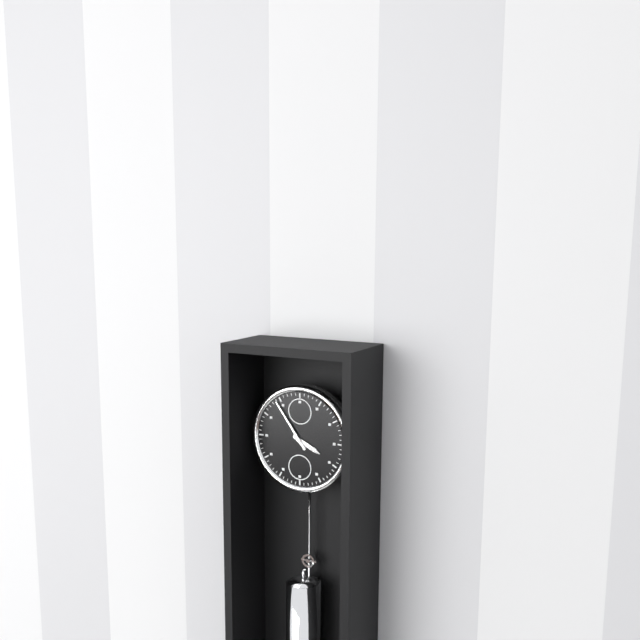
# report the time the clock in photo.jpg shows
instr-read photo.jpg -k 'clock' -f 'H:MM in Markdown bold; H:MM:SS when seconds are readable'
**3:54**
